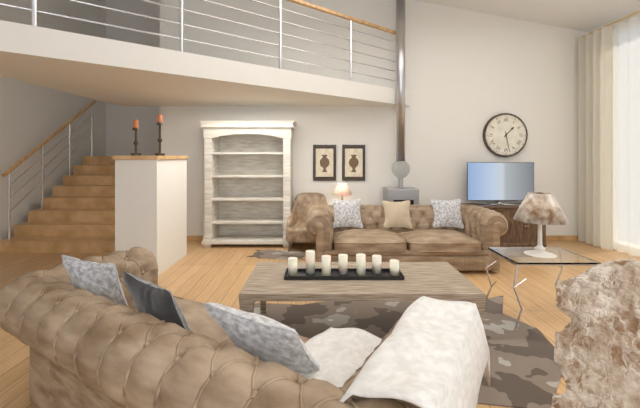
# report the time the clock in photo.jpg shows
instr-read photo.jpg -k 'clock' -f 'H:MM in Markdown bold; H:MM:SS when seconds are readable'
**1:28**
